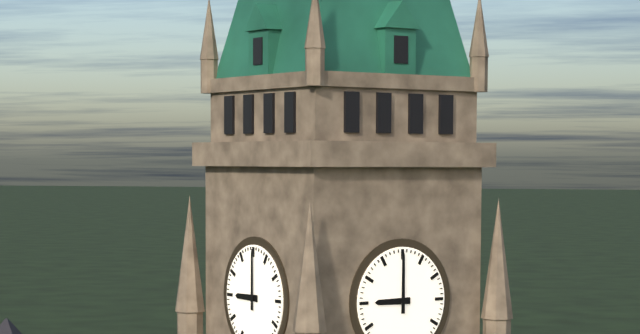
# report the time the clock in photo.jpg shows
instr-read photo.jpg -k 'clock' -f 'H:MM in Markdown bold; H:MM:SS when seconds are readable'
**9:00**
